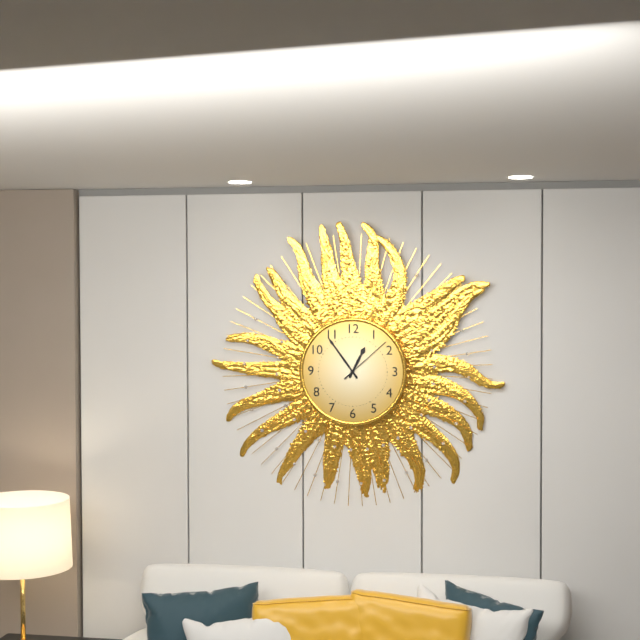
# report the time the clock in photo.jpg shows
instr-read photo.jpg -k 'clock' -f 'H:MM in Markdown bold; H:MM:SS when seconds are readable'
**12:54:08**
